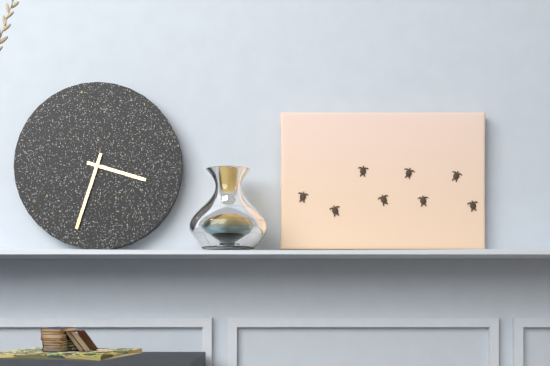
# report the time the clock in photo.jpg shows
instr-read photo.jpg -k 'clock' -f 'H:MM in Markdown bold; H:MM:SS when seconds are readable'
**3:33**
